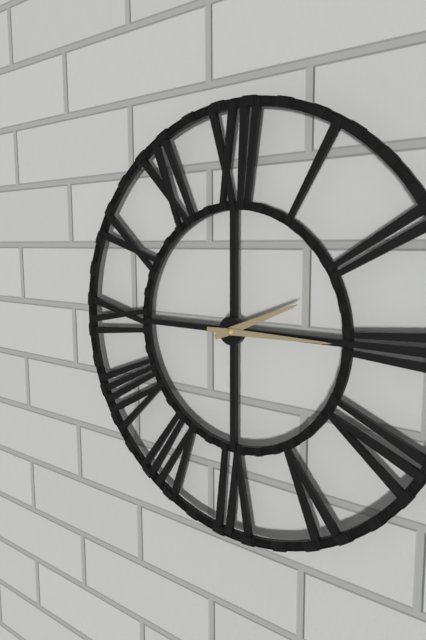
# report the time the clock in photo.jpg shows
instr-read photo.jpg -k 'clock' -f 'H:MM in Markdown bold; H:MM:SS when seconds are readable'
**2:15**
